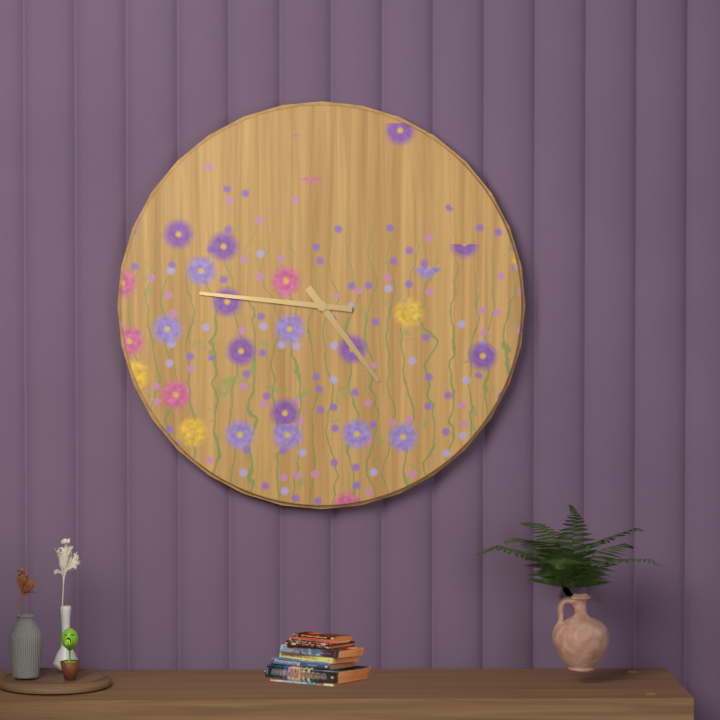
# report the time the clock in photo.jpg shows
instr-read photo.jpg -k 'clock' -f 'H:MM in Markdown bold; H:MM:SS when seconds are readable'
**4:46**
